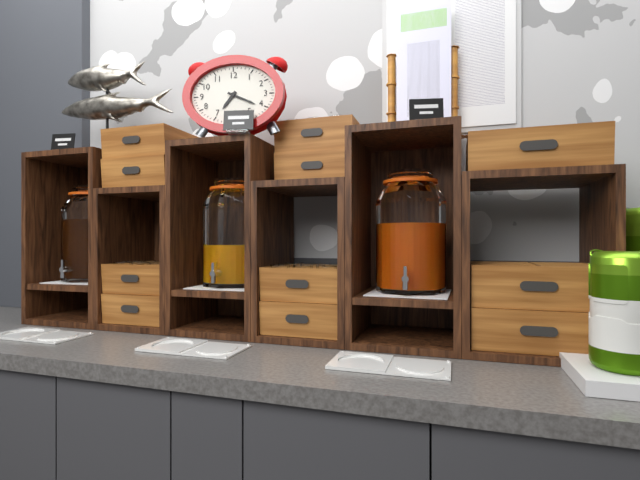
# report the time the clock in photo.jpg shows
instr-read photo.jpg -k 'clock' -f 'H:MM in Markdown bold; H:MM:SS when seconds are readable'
**7:19**
